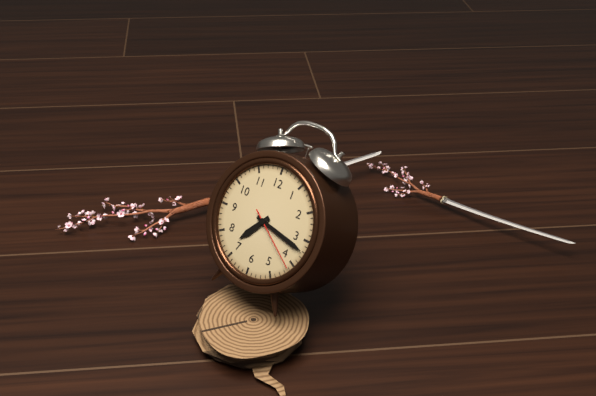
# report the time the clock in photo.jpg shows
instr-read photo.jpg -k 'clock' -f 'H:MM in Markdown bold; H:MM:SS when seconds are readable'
**7:17:21**
